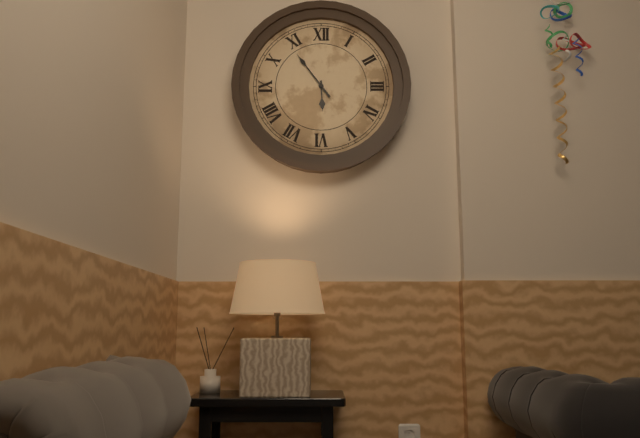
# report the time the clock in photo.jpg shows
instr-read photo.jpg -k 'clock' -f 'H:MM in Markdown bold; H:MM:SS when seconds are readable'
**5:54**
